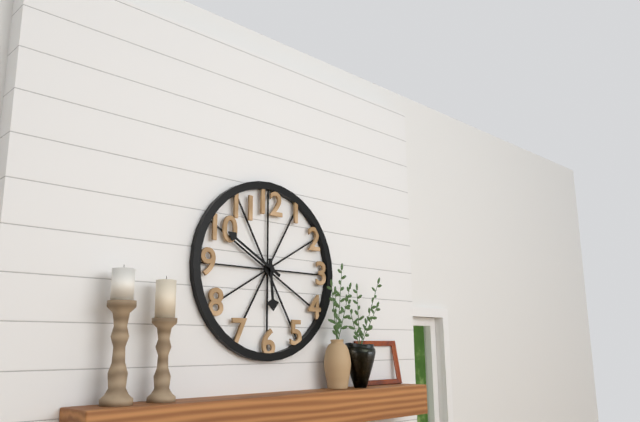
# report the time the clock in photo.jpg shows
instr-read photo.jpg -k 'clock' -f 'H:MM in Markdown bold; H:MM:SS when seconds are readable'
**5:50**
